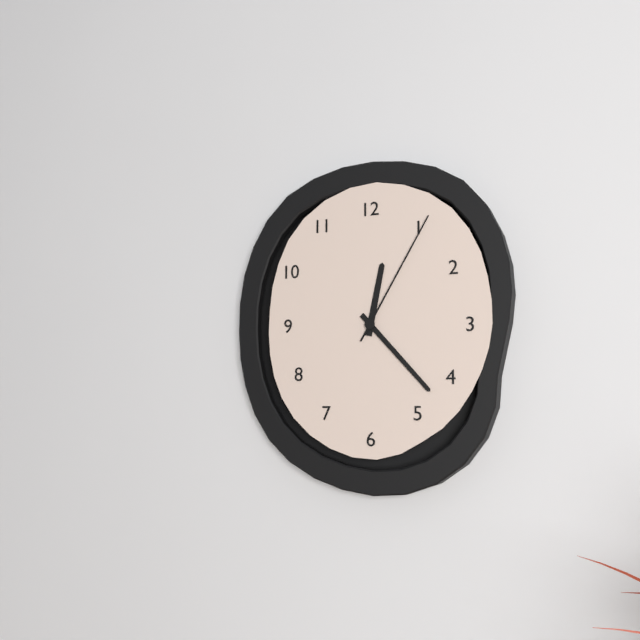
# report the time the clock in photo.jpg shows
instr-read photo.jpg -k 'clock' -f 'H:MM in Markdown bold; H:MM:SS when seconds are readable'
**12:23:05**
